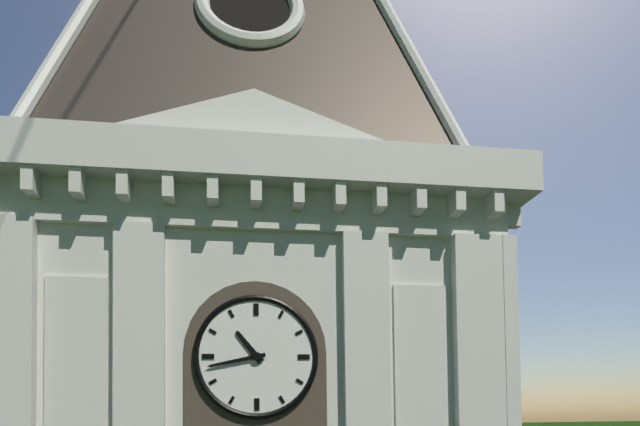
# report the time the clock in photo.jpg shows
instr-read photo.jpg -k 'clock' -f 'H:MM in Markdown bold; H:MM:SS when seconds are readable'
**10:43**
